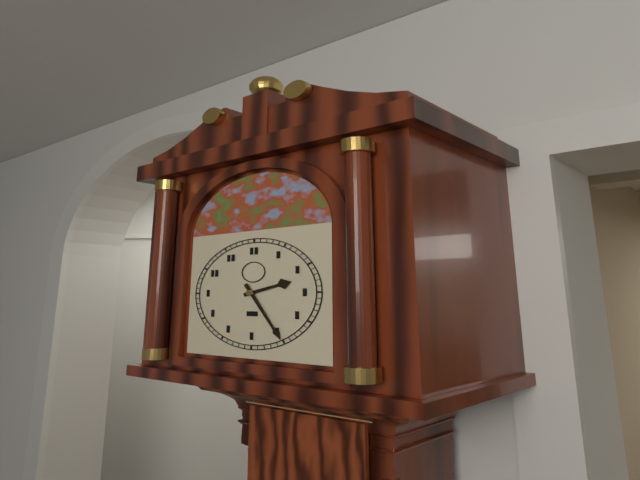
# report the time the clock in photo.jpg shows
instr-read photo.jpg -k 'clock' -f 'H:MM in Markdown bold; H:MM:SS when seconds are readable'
**2:25**
